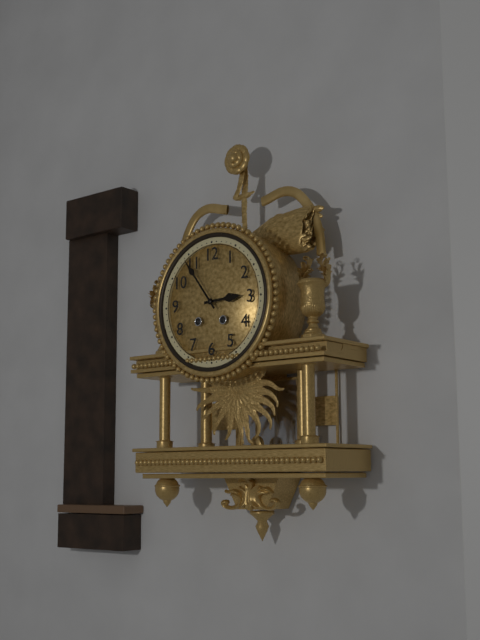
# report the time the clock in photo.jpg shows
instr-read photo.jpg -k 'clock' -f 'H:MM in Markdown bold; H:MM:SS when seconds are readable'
**2:54**
